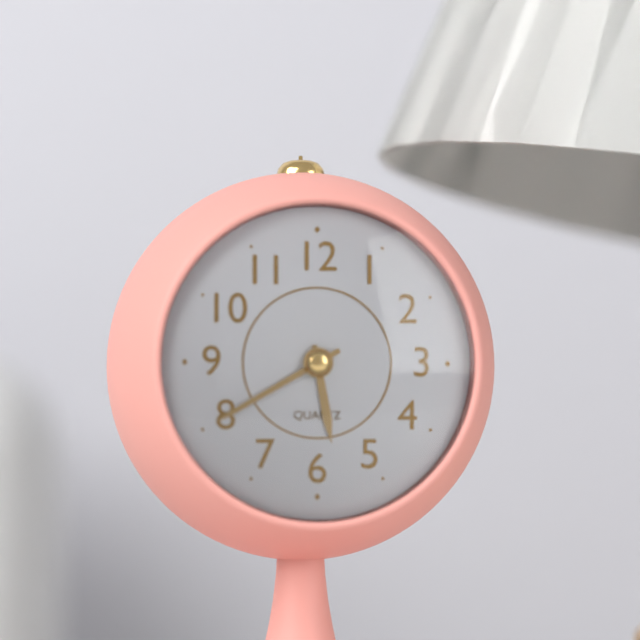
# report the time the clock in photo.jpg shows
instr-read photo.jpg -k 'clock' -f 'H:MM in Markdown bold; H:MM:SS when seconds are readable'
**5:40**
